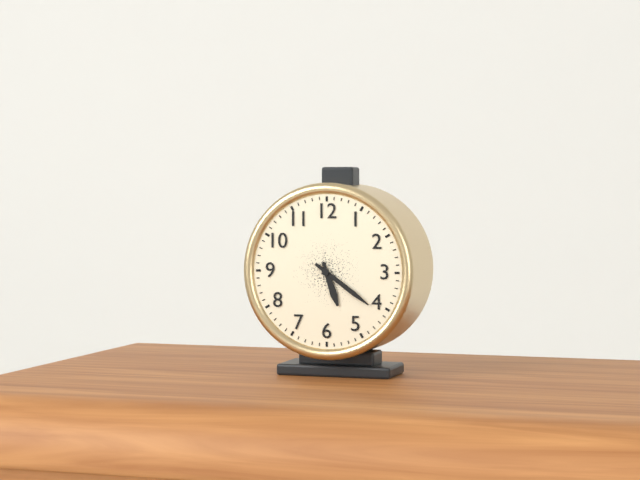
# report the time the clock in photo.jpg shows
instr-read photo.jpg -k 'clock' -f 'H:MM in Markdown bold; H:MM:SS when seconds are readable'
**5:21**
